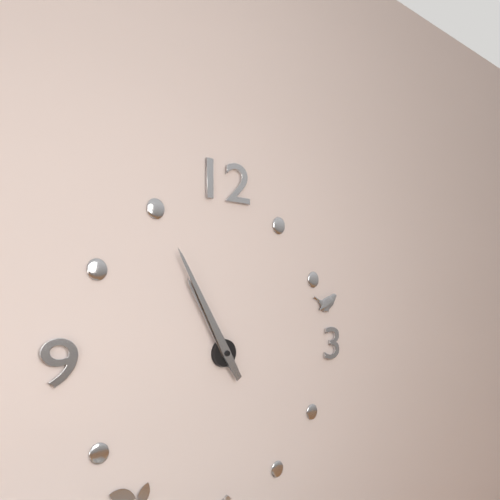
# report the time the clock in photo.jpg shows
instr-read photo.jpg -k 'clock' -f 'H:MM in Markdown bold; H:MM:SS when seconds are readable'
**10:55**
